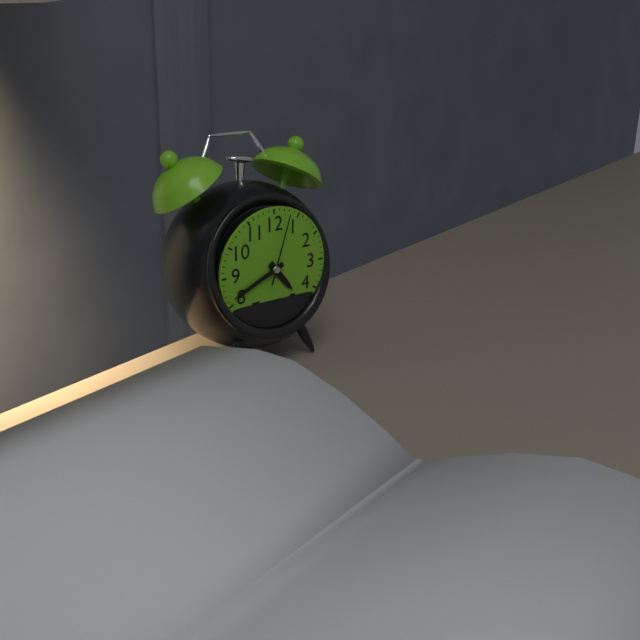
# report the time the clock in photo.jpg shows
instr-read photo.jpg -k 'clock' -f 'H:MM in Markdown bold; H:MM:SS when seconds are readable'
**4:41:03**
